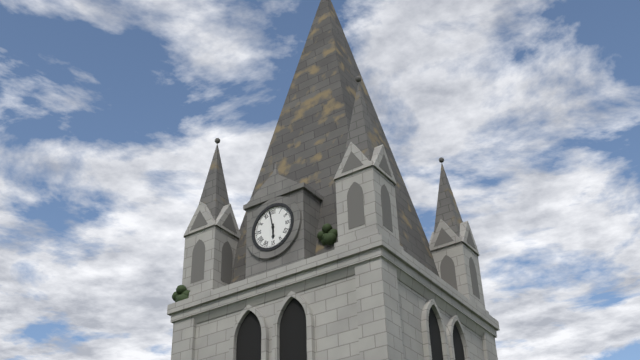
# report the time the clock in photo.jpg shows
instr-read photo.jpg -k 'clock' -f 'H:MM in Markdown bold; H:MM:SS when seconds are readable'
**5:58**
